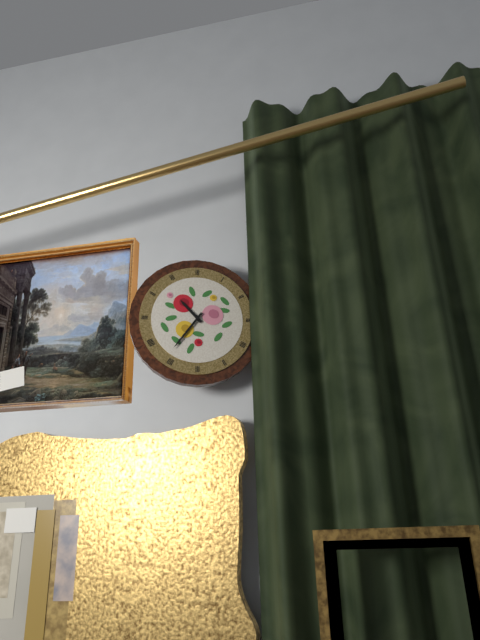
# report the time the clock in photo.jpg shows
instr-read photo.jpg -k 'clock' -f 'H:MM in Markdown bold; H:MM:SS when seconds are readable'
**10:36**
